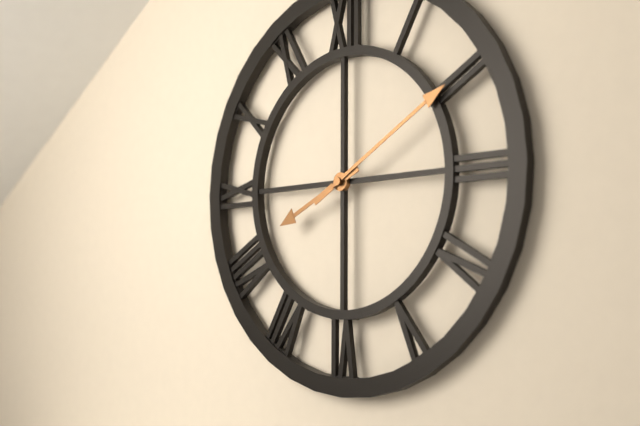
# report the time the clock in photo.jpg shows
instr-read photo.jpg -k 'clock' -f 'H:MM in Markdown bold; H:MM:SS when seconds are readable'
**8:10**
